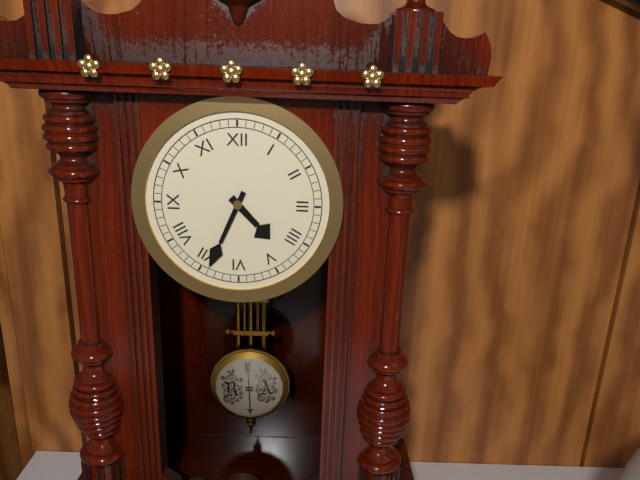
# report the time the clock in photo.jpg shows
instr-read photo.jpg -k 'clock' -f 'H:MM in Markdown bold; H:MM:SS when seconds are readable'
**4:34**
